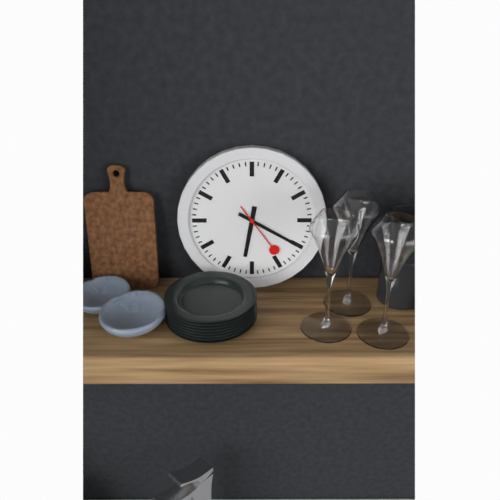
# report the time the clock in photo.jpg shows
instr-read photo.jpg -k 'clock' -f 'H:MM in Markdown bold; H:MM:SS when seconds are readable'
**6:20:24**
